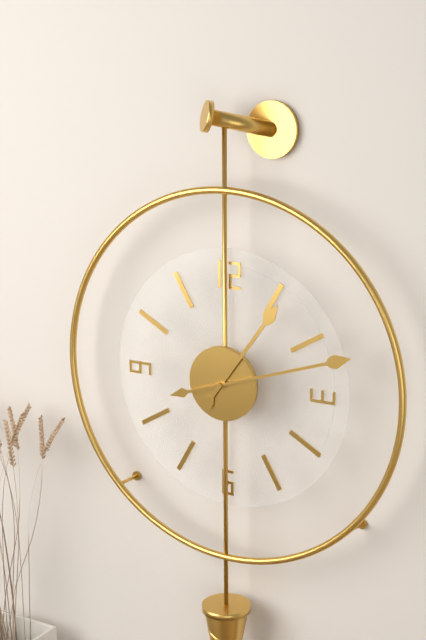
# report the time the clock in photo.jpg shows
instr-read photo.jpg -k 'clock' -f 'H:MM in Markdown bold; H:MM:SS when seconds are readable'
**1:12**
